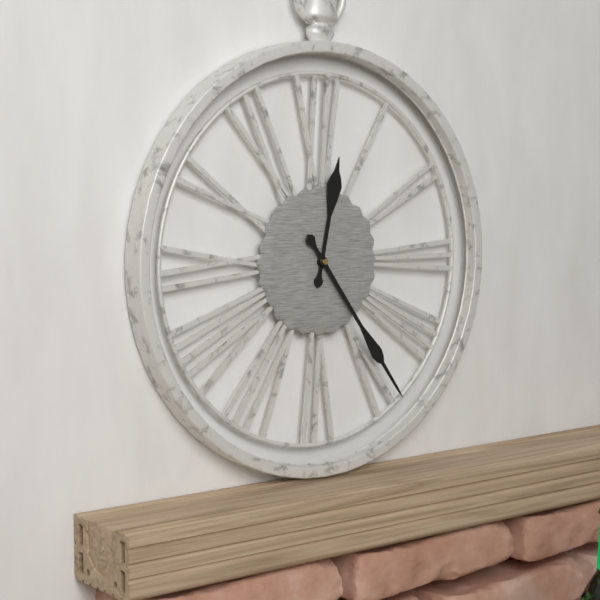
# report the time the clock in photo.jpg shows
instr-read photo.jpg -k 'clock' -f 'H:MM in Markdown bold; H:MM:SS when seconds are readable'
**12:24**
